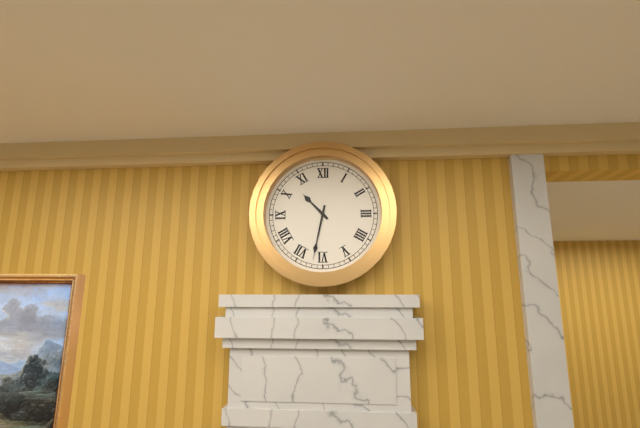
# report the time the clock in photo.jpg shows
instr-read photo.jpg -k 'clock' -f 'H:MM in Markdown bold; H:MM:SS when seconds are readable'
**10:32**
